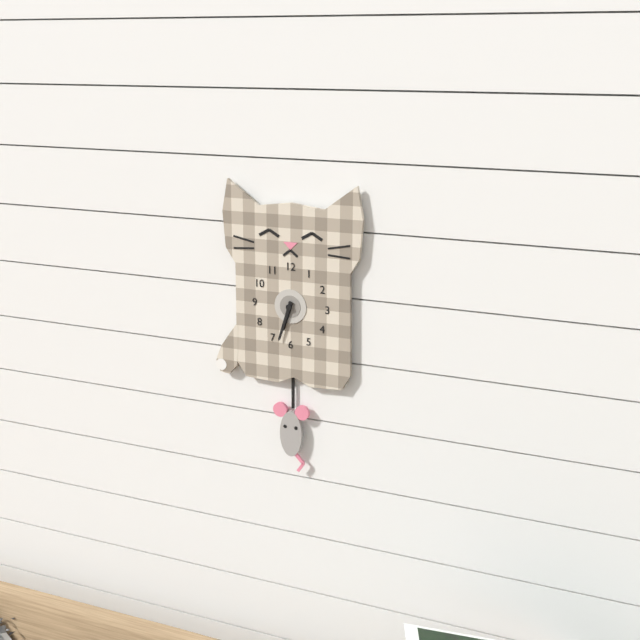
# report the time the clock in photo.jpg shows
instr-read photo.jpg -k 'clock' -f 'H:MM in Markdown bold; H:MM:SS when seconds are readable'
**6:33**
